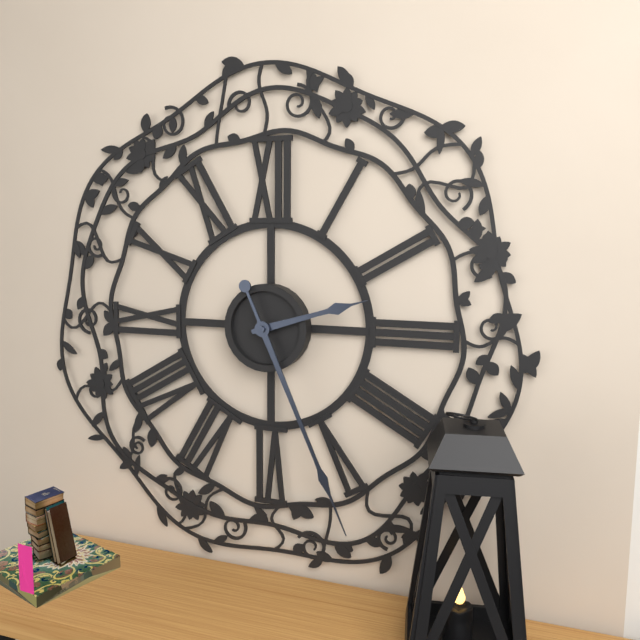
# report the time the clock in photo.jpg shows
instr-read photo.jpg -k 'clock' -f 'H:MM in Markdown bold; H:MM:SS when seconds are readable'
**2:26**
